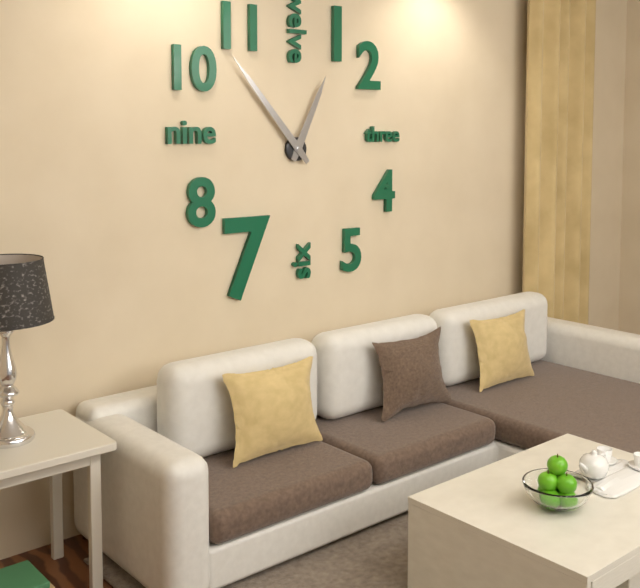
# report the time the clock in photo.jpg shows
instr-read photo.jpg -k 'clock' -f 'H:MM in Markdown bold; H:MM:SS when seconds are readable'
**12:53**
